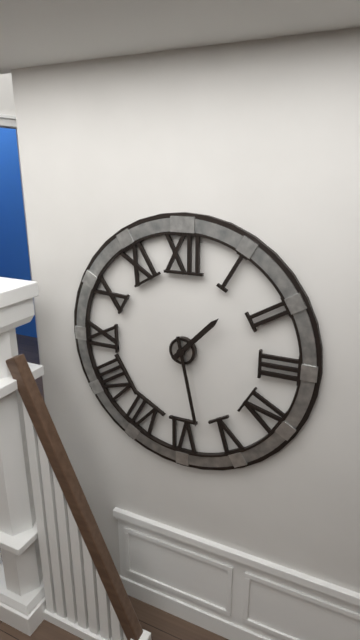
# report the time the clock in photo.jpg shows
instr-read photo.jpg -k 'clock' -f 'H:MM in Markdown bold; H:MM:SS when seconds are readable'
**1:28**
